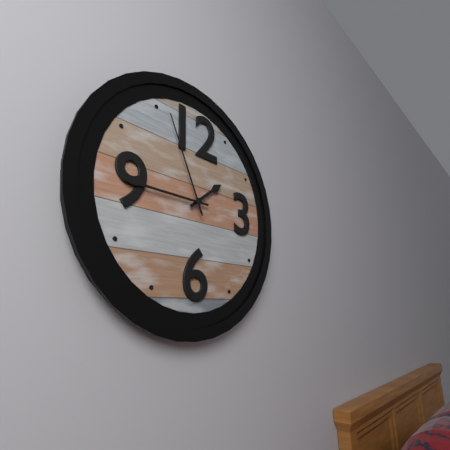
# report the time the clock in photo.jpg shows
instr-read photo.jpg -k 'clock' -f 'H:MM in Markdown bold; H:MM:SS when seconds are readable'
**1:45:56**
